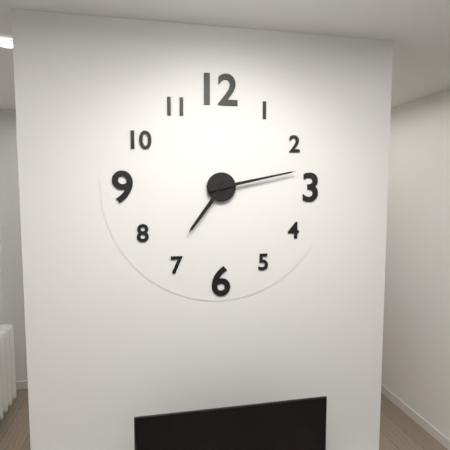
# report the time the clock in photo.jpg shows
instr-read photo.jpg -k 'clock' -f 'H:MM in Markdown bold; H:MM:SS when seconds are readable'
**7:13**
